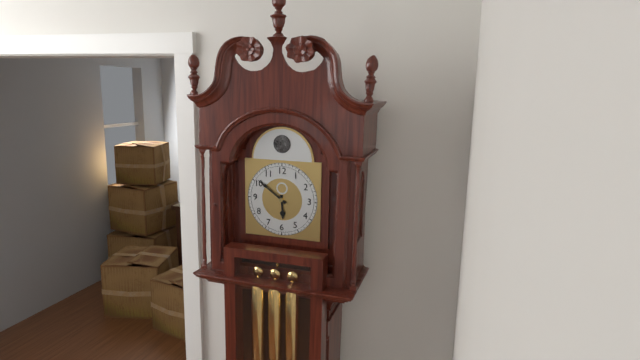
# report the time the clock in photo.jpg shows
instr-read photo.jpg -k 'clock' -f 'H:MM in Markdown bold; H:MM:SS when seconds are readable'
**5:51**
